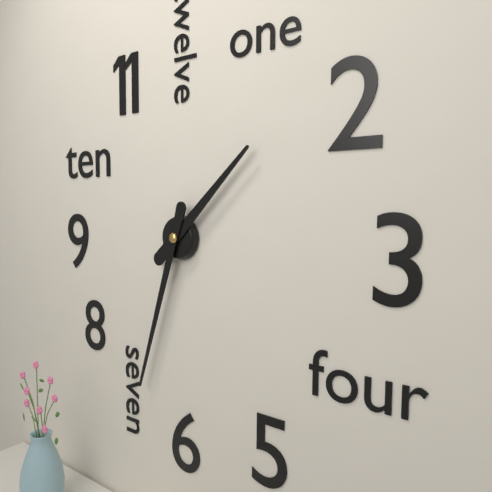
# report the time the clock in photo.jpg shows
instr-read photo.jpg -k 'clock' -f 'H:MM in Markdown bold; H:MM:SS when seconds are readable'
**1:33**
